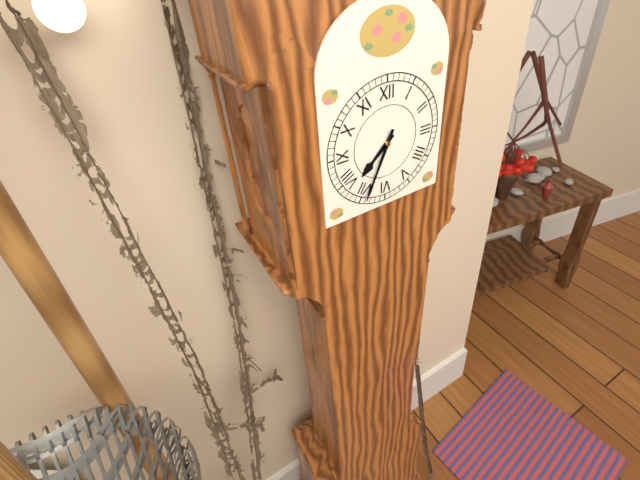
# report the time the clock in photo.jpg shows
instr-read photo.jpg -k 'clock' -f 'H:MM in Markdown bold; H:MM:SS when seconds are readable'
**7:34**
